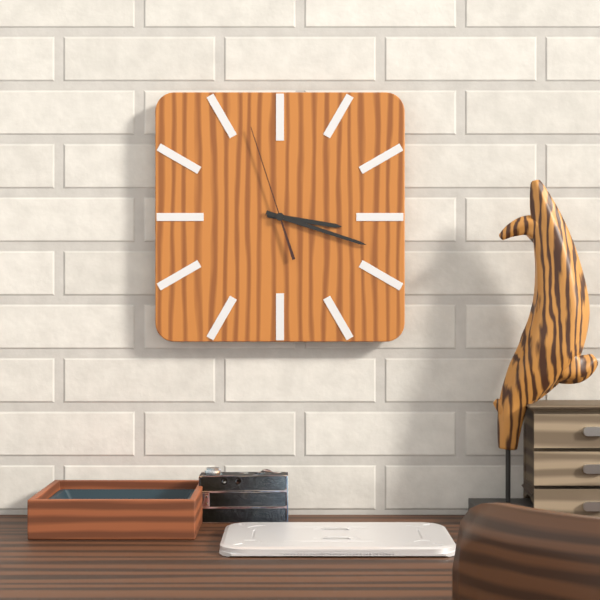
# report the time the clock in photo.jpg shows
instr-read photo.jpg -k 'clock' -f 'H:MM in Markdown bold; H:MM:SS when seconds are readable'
**3:18:57**
